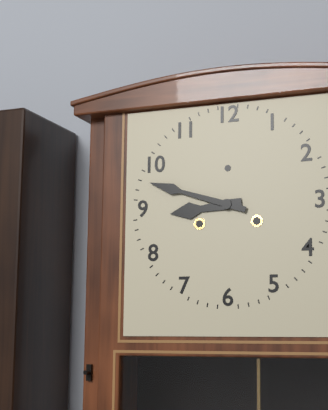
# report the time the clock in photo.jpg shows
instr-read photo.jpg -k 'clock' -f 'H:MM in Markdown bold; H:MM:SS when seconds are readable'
**8:48**
